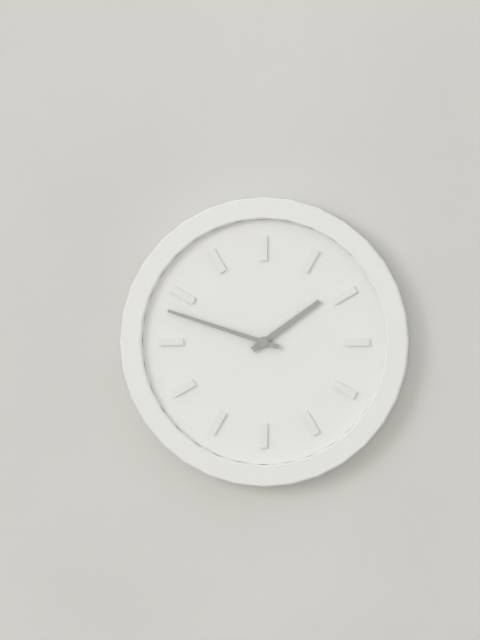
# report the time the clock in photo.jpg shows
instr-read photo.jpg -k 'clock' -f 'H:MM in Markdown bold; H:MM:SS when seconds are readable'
**1:48**
